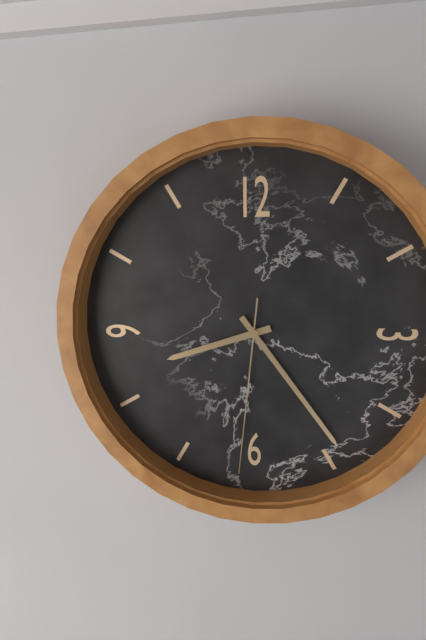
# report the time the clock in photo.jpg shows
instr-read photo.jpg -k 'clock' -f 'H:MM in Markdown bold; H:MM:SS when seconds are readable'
**8:24:31**
